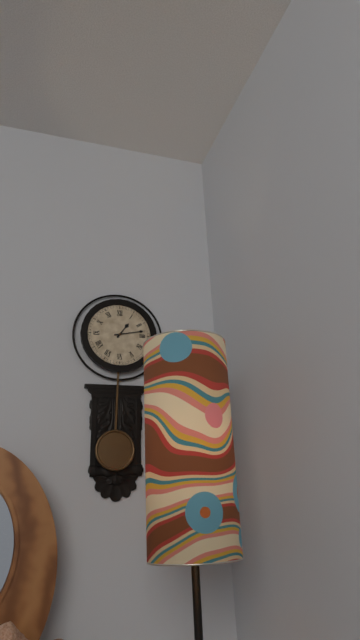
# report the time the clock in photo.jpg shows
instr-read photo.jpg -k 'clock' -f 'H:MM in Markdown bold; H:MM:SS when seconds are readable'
**1:13**
